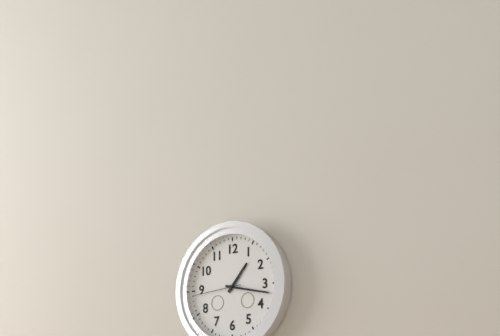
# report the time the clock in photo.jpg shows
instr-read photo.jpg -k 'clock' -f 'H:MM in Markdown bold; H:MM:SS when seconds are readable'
**1:17:44**
